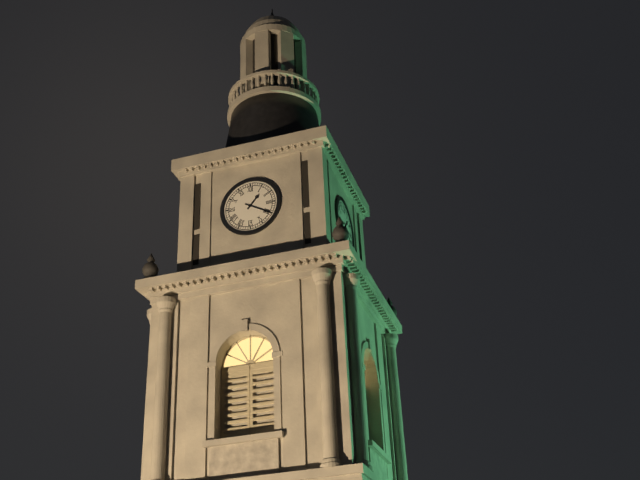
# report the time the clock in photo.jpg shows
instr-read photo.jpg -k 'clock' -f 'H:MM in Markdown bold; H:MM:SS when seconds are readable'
**1:20**
